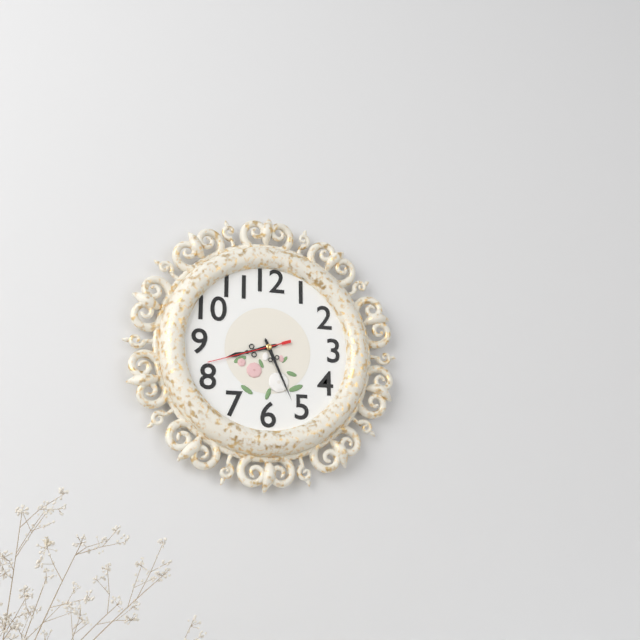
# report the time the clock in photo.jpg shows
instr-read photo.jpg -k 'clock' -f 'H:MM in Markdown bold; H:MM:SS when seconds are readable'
**8:26:42**
